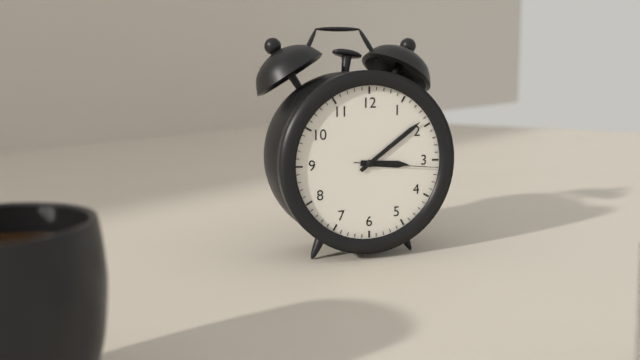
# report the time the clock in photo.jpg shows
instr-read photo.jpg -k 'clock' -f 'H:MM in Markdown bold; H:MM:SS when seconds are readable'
**3:09:16**
